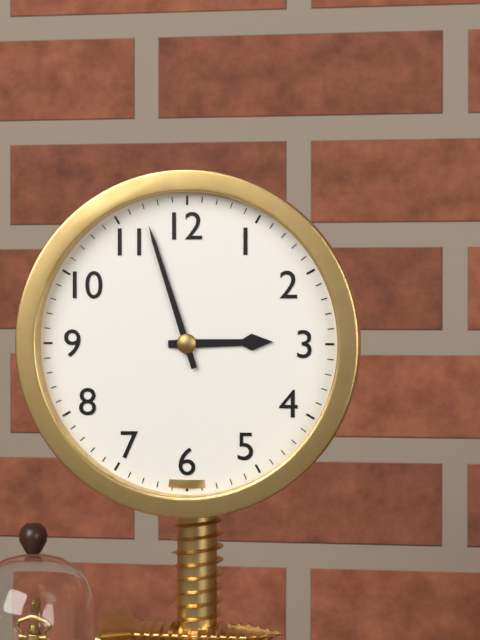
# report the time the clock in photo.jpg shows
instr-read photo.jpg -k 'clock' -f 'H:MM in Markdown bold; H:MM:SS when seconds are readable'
**2:57**
